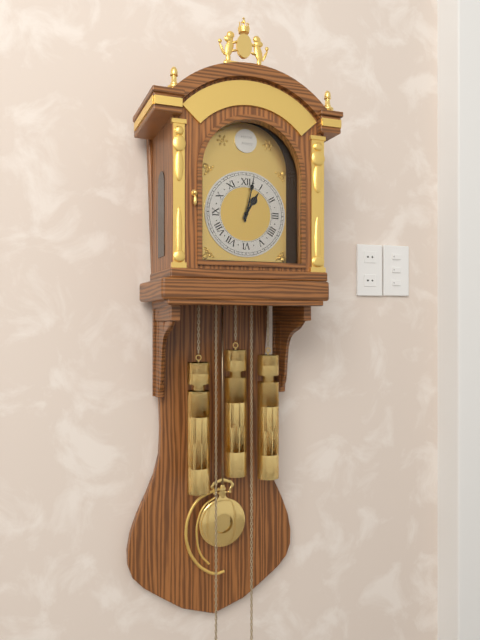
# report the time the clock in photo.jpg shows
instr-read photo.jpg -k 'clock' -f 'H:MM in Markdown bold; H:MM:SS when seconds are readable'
**1:02**
